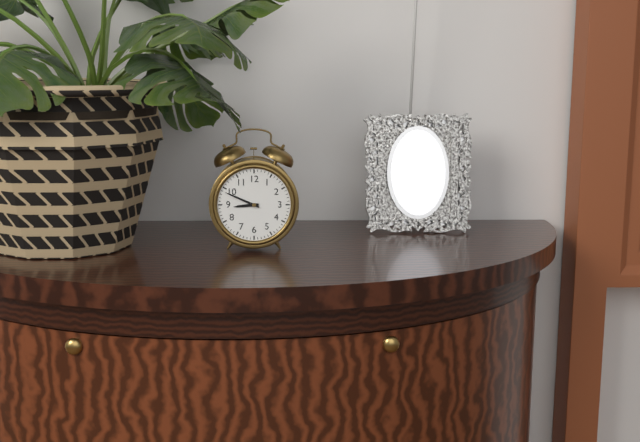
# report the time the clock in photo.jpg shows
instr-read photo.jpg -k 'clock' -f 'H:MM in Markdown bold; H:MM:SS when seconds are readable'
**8:49**
